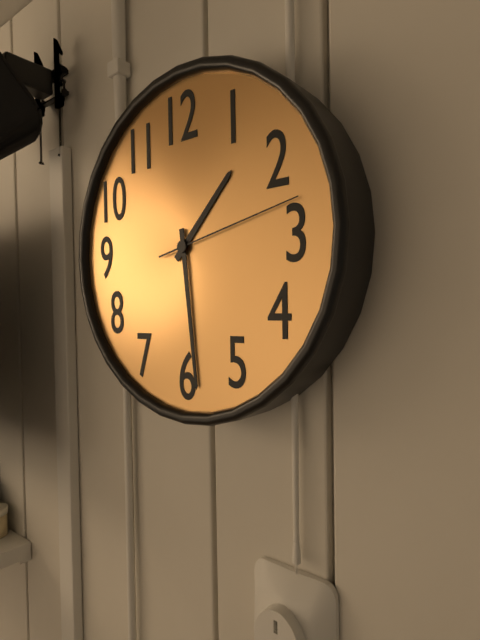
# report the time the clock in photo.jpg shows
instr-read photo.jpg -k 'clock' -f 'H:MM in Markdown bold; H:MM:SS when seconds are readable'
**1:29:13**
